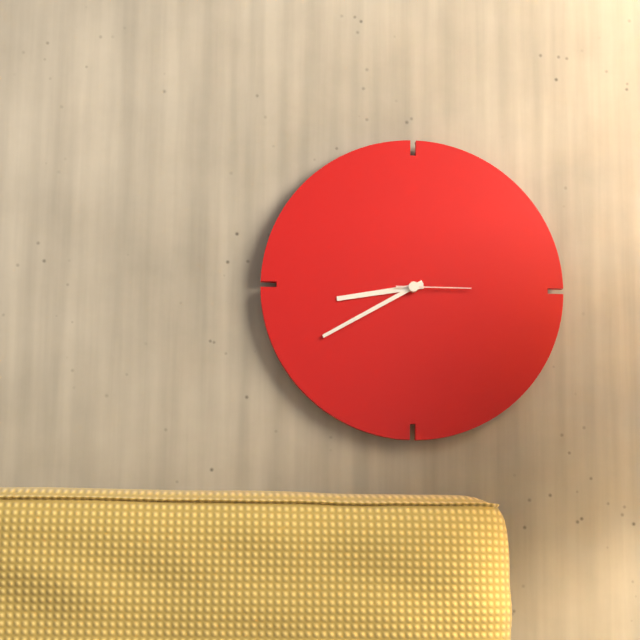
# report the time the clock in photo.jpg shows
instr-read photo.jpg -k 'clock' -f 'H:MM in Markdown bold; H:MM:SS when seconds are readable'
**8:40:15**
